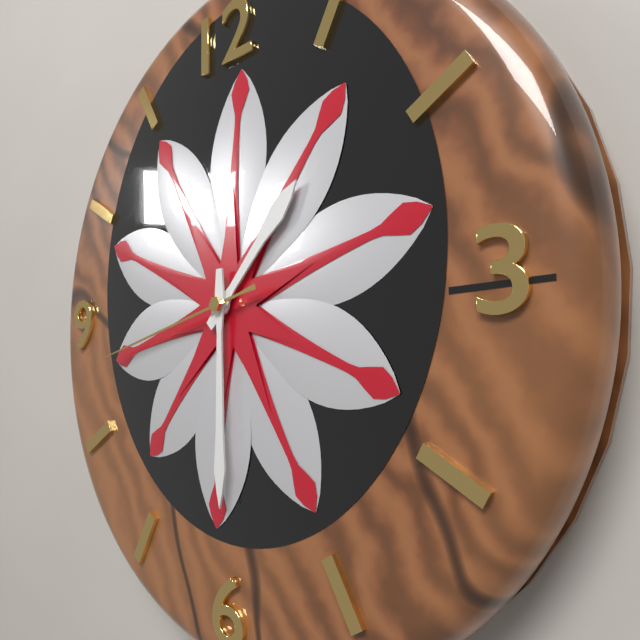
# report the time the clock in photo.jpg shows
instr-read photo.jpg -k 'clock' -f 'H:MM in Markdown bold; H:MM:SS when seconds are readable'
**1:30:43**
